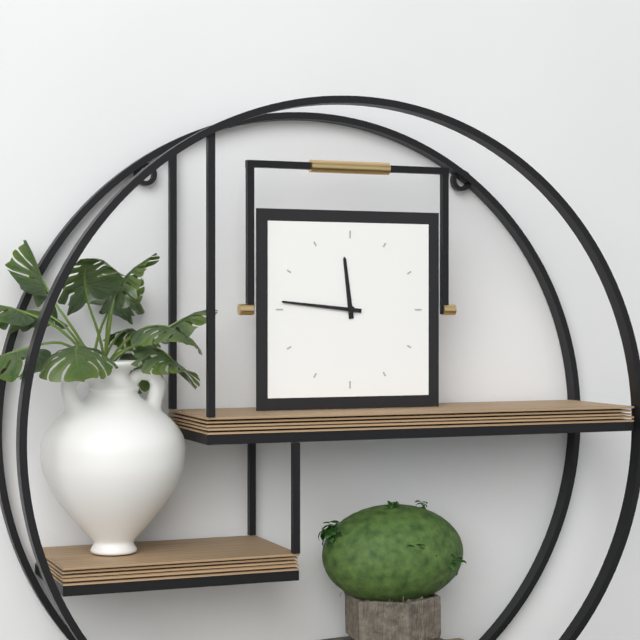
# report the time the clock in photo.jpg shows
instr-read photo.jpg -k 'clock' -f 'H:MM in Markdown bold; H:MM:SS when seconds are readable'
**11:46**
